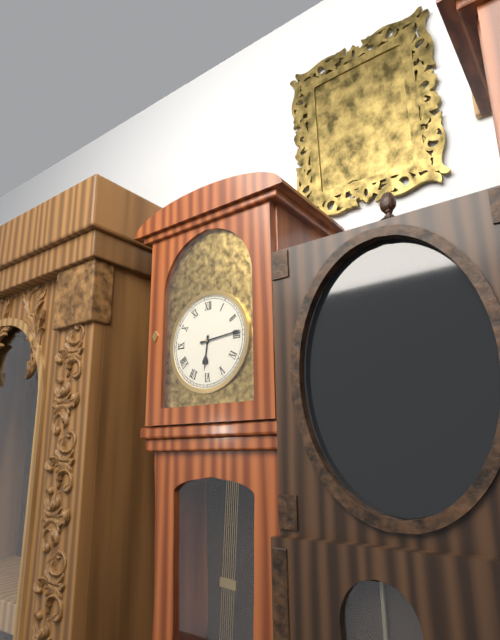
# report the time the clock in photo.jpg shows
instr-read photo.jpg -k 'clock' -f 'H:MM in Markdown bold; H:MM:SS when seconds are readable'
**6:14**
